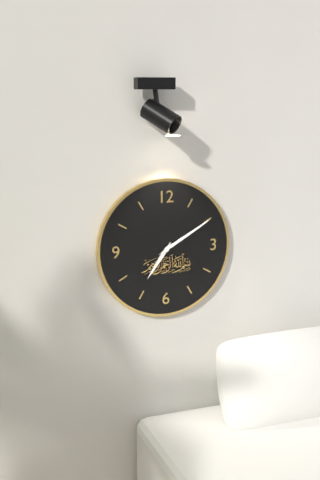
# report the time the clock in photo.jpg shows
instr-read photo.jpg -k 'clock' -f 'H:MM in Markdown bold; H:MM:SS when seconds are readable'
**7:10**
